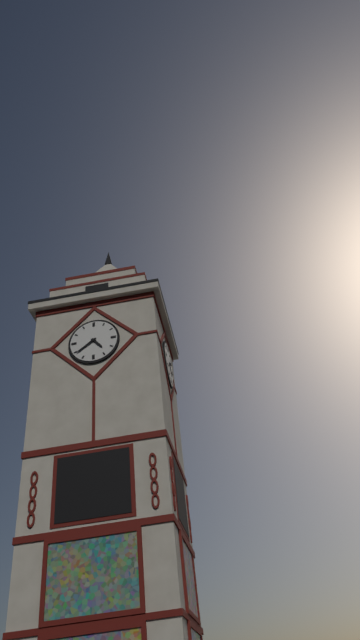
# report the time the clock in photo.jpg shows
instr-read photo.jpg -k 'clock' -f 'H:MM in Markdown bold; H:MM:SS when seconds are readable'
**4:39**
